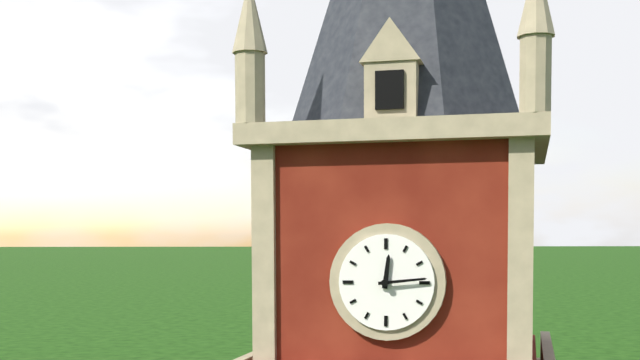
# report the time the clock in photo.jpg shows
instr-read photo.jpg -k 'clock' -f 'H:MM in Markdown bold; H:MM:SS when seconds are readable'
**12:14**
